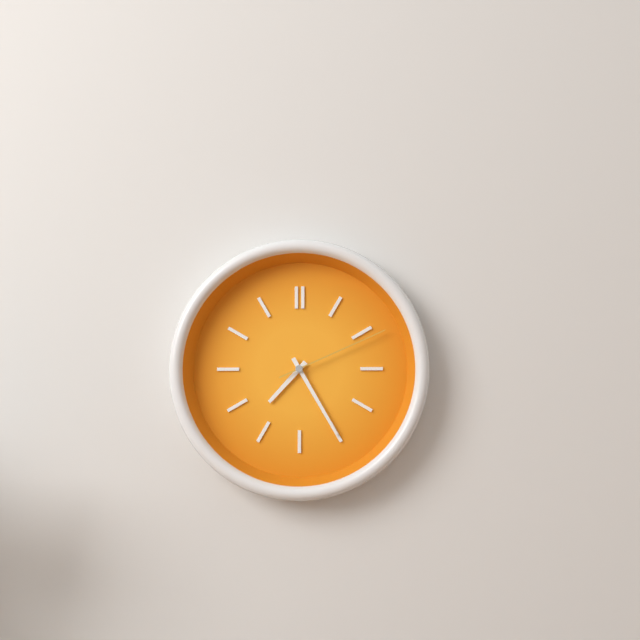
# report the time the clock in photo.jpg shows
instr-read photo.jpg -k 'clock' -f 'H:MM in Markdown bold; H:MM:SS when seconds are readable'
**7:25:11**
